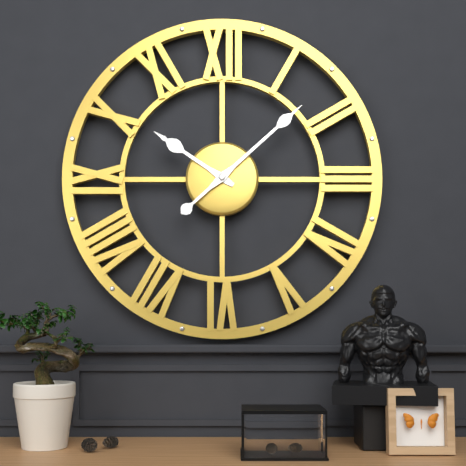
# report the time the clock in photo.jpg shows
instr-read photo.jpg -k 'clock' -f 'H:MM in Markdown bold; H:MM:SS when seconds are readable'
**10:08**
